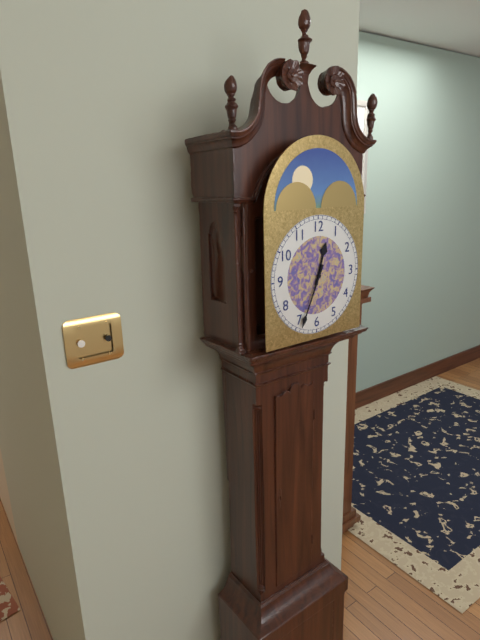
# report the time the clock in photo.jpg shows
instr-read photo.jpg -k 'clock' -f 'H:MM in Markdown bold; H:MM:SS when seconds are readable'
**12:34**
